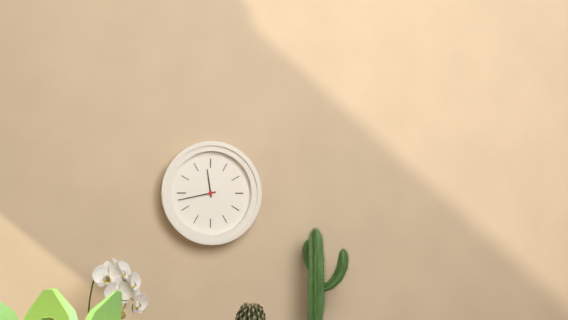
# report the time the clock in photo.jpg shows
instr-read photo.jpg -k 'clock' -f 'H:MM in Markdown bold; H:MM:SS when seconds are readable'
**11:43**
